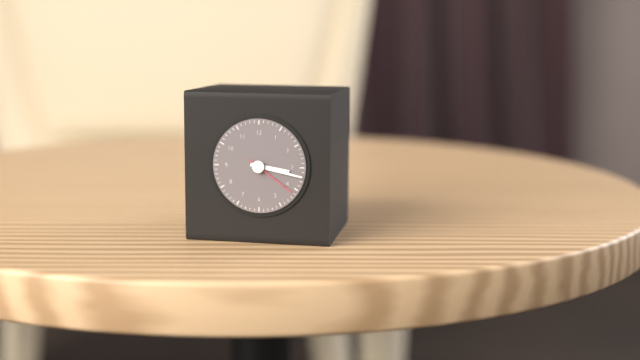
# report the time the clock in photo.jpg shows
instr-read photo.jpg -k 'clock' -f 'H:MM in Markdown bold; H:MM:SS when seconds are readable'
**3:17:21**
